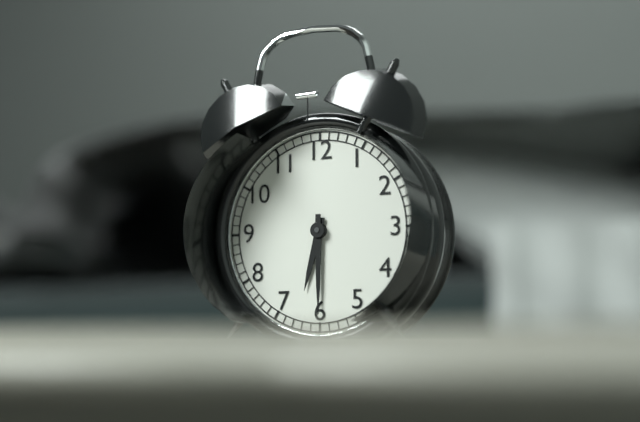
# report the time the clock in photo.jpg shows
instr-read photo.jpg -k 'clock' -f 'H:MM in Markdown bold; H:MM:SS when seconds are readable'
**6:30**
